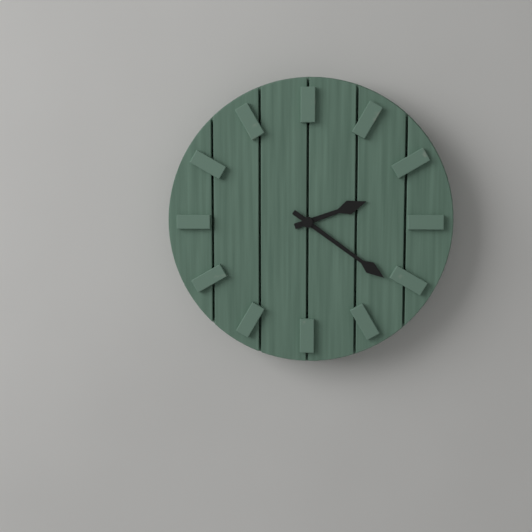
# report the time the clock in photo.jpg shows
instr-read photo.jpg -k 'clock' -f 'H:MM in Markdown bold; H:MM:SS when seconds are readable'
**2:21**
